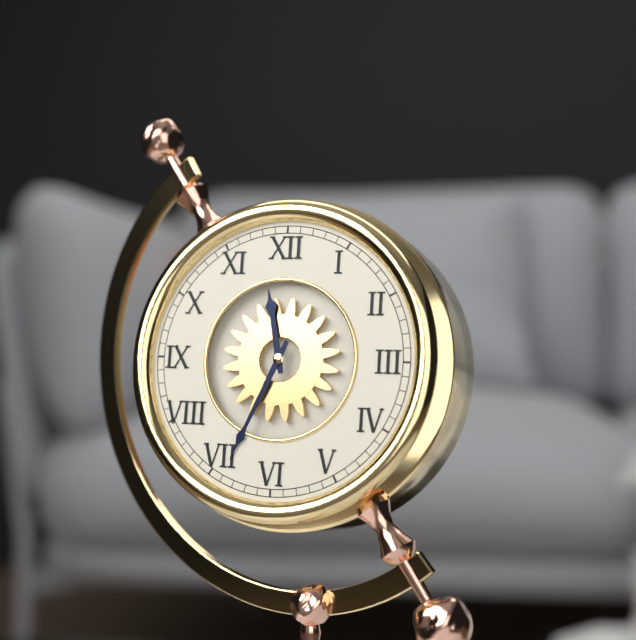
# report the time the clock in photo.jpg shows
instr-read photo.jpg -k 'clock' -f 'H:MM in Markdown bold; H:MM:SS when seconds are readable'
**11:34**
